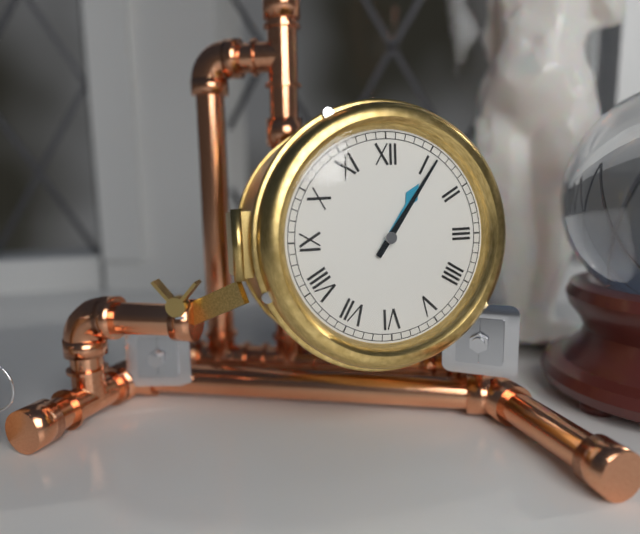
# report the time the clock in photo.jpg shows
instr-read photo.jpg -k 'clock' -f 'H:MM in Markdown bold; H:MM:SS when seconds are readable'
**1:06**
